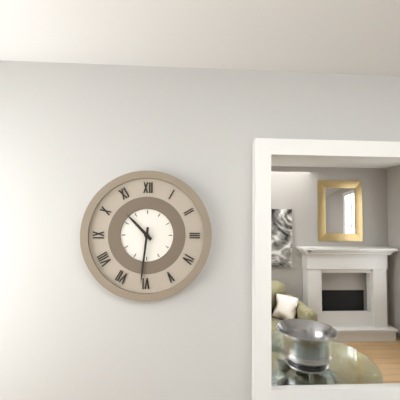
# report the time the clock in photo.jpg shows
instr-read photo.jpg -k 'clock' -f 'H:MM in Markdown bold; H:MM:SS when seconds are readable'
**10:31**
